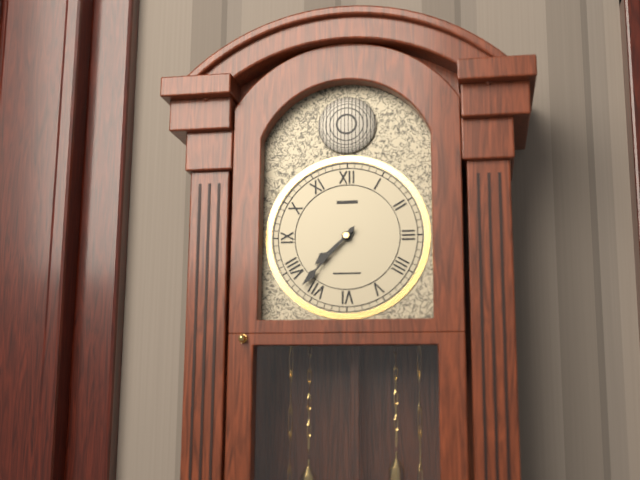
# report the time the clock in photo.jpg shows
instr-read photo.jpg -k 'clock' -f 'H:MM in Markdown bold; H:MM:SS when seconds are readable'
**7:37**
